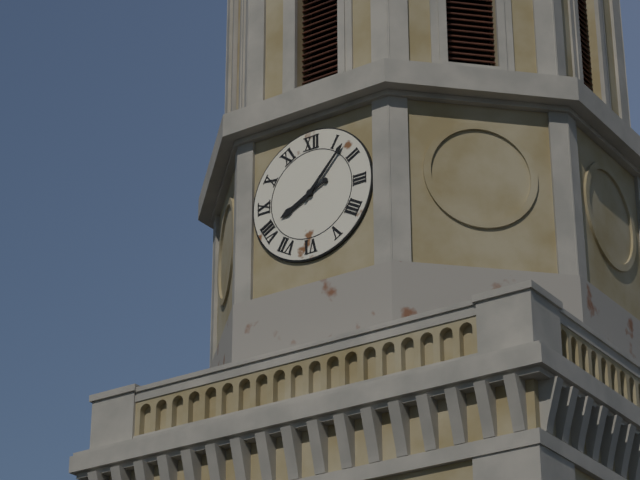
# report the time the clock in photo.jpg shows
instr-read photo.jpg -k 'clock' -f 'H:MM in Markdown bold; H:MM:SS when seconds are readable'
**8:07**
